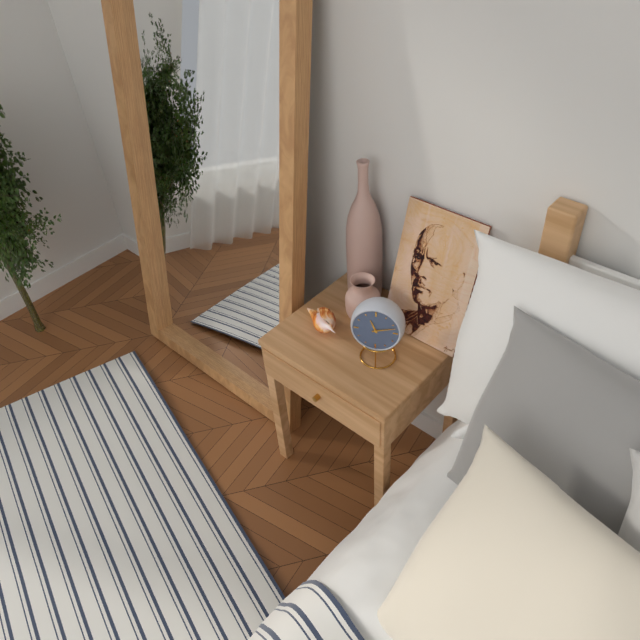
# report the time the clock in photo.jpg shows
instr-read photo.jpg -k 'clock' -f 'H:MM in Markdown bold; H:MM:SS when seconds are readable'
**11:12**
